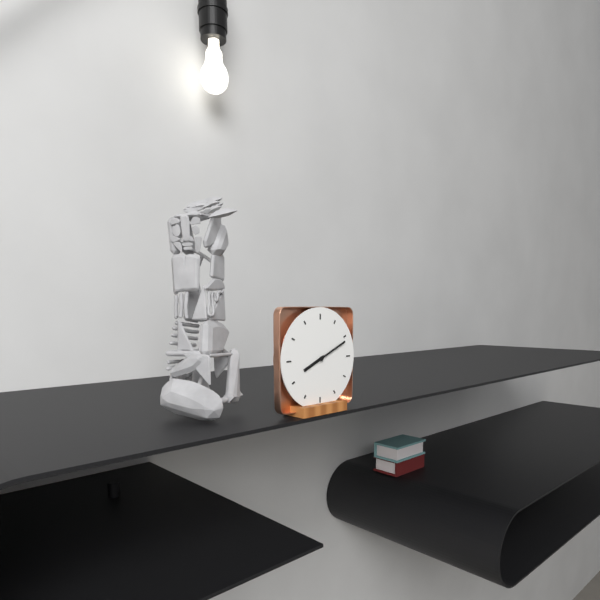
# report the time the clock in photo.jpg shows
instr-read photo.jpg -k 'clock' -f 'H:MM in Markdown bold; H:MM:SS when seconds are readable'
**8:11**
